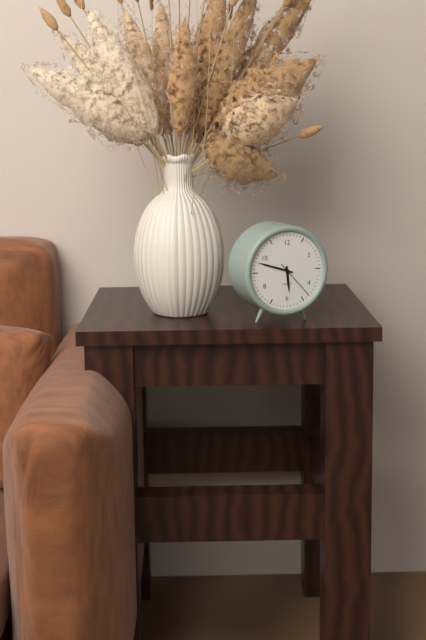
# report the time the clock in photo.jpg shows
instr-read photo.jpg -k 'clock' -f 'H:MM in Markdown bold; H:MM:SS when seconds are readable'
**5:48**
